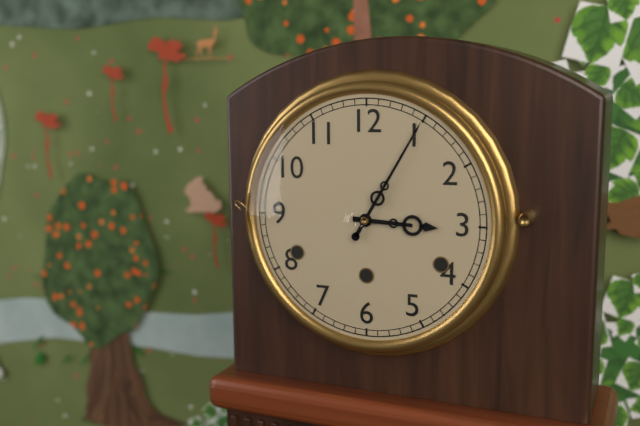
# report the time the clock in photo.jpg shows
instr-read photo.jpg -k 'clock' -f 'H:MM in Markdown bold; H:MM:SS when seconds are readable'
**3:05**
